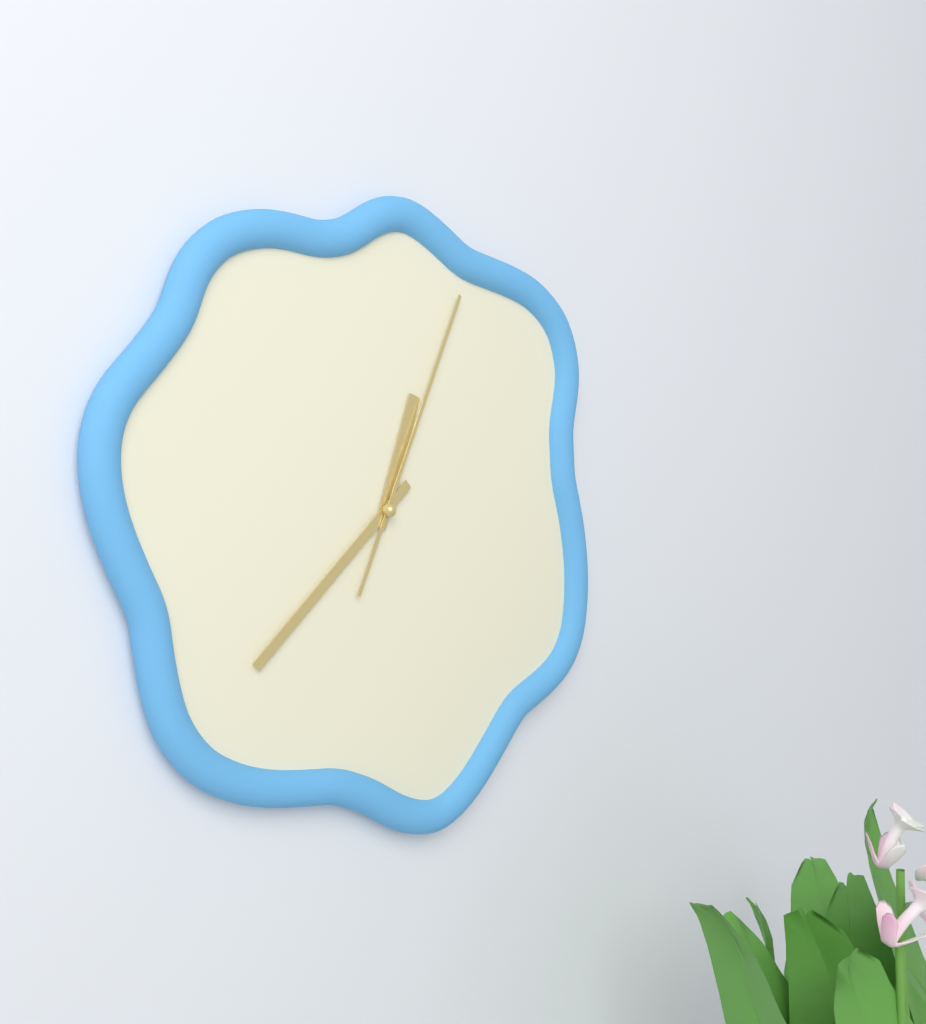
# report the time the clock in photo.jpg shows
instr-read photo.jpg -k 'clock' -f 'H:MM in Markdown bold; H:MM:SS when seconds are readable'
**12:38:04**
